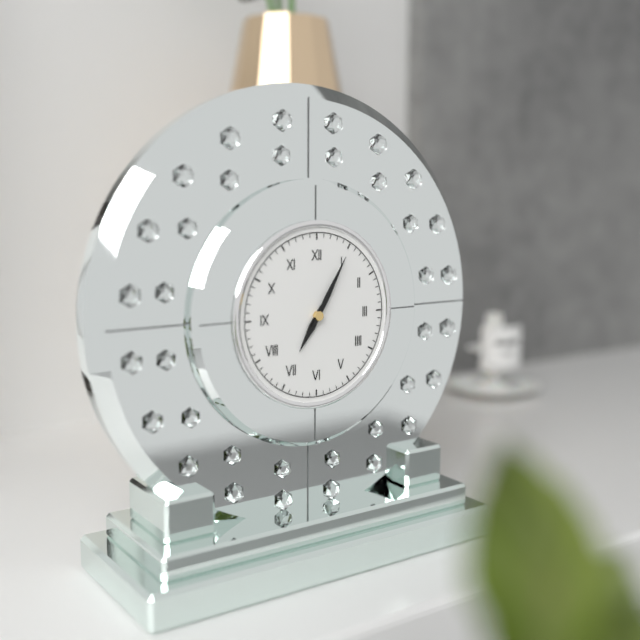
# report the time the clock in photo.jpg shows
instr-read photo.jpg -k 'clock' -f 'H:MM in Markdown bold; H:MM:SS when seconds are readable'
**7:05**
